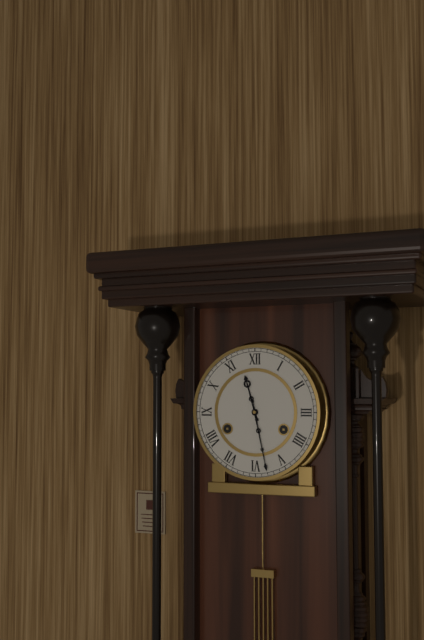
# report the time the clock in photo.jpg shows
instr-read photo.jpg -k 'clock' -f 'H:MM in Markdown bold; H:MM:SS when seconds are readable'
**11:28**
